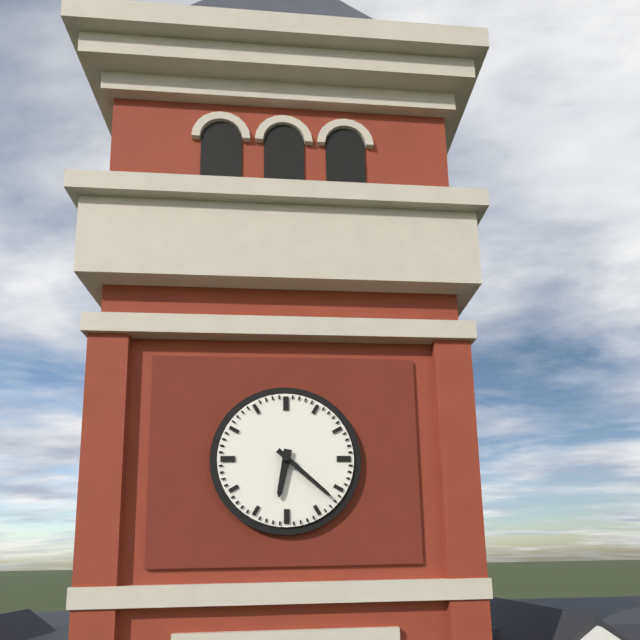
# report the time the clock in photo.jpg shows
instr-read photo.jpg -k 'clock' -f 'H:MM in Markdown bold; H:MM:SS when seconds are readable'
**6:22**
